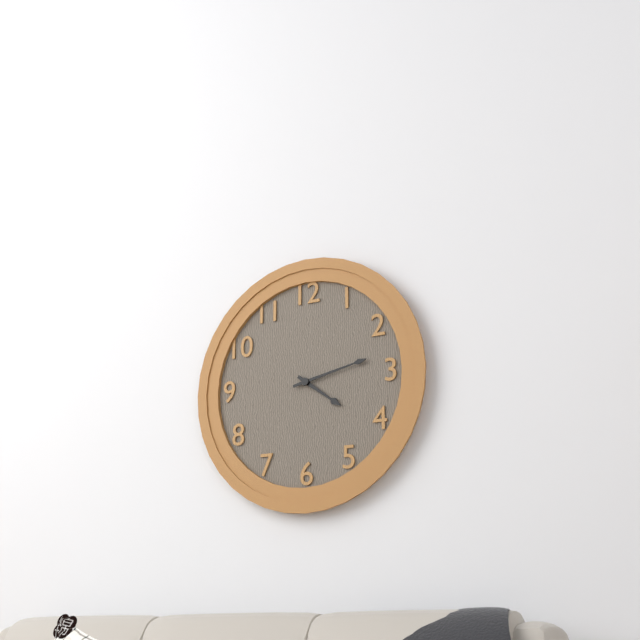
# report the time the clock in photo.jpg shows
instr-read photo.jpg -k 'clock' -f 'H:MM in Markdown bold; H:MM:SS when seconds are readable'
**4:13**
